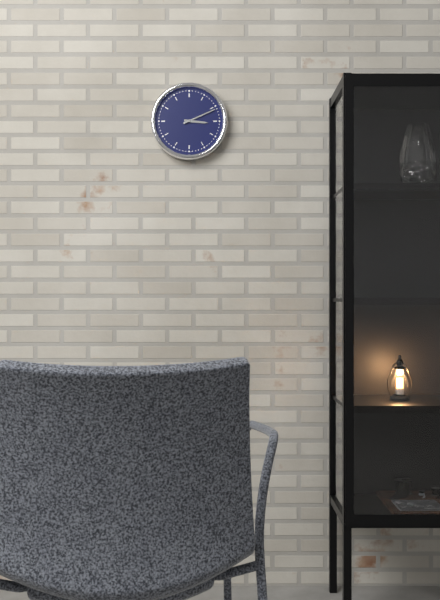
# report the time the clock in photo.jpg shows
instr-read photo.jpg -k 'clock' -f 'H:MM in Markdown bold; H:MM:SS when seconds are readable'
**3:11**
